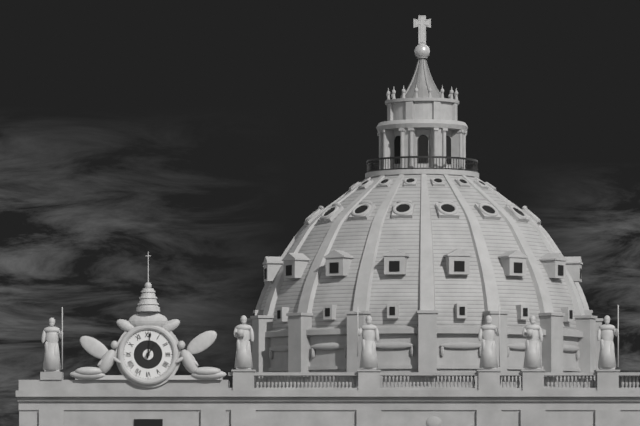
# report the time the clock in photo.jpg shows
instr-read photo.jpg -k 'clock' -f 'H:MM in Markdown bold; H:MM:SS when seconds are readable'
**1:01**
